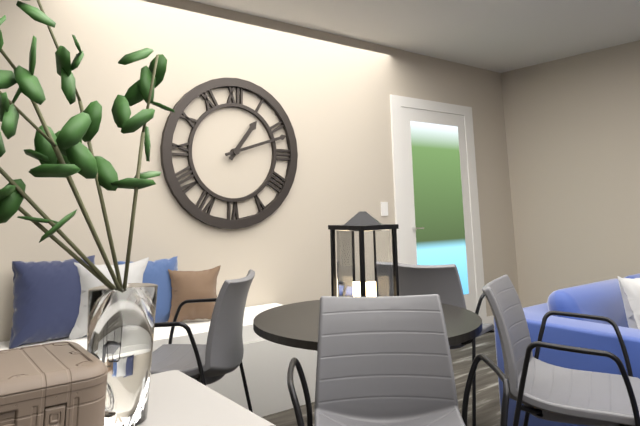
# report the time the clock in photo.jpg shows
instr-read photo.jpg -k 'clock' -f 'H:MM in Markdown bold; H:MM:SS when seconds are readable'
**1:12**
